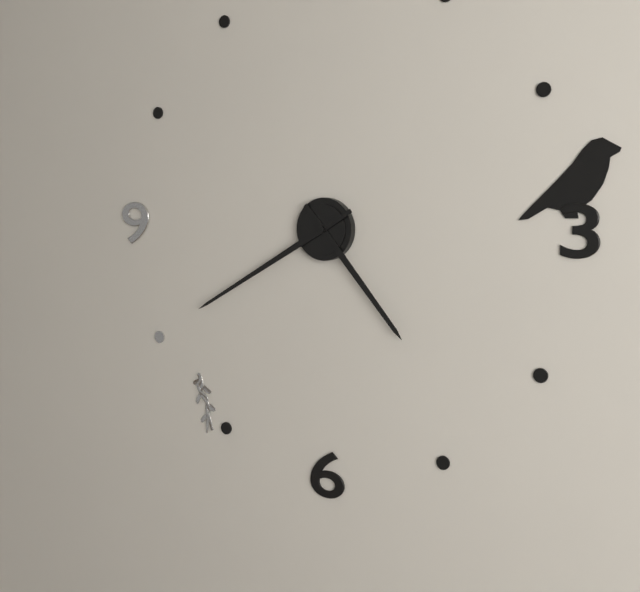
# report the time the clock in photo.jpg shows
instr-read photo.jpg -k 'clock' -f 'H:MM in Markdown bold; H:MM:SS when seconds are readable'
**4:40**
